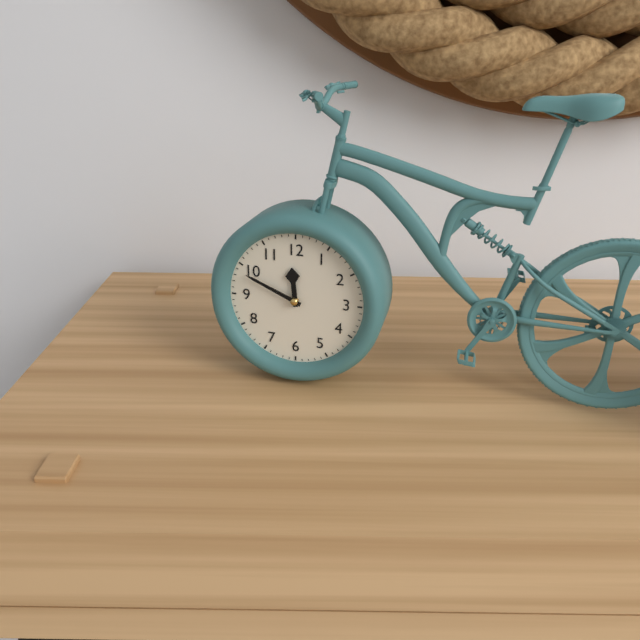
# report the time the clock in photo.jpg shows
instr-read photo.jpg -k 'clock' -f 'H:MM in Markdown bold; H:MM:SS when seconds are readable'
**11:49**
